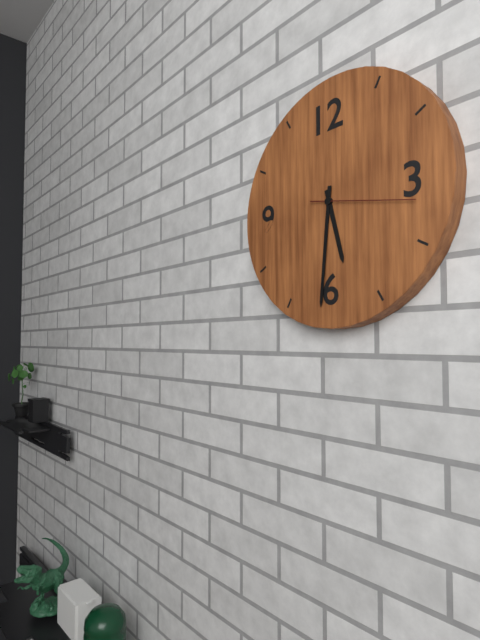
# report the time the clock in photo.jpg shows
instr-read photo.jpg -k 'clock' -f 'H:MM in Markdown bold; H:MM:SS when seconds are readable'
**5:31:17**
